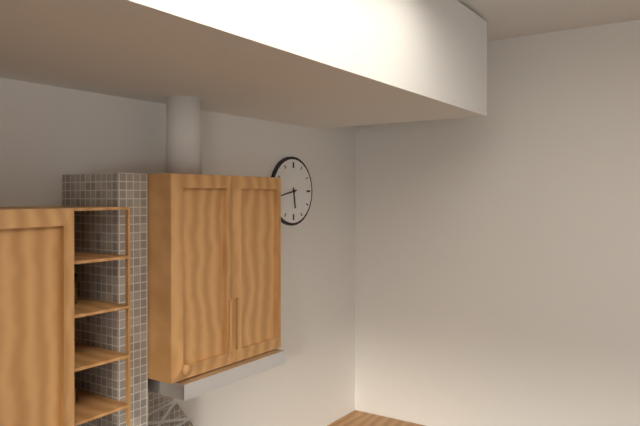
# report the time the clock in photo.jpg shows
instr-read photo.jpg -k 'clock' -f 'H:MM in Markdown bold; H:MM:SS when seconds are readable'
**5:43**
